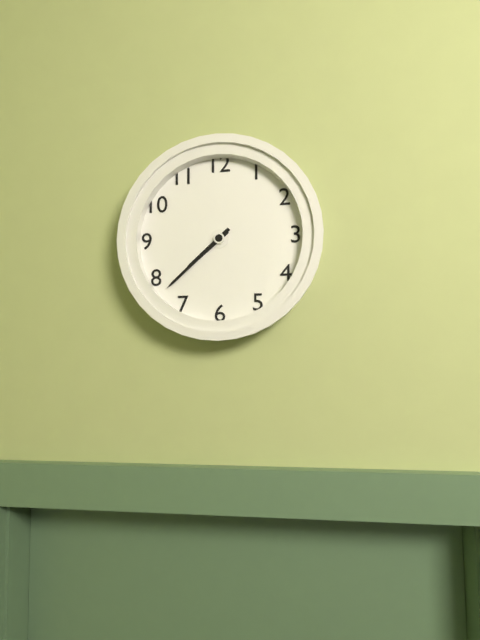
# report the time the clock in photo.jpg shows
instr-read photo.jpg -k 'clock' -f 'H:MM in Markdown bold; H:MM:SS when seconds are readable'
**7:38**
